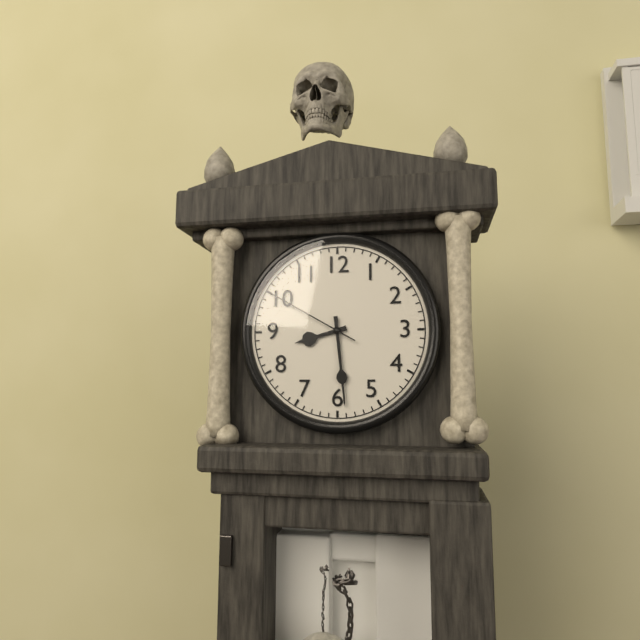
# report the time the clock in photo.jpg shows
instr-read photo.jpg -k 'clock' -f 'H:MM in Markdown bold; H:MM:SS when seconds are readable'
**8:29:50**
